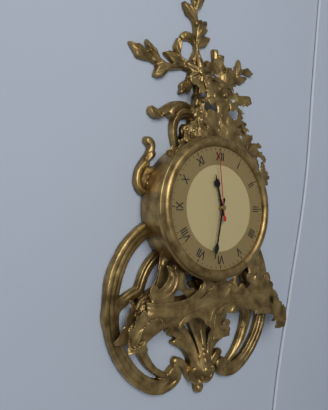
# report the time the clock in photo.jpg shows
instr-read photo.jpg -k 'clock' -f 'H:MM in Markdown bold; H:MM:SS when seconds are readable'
**11:32:59**
